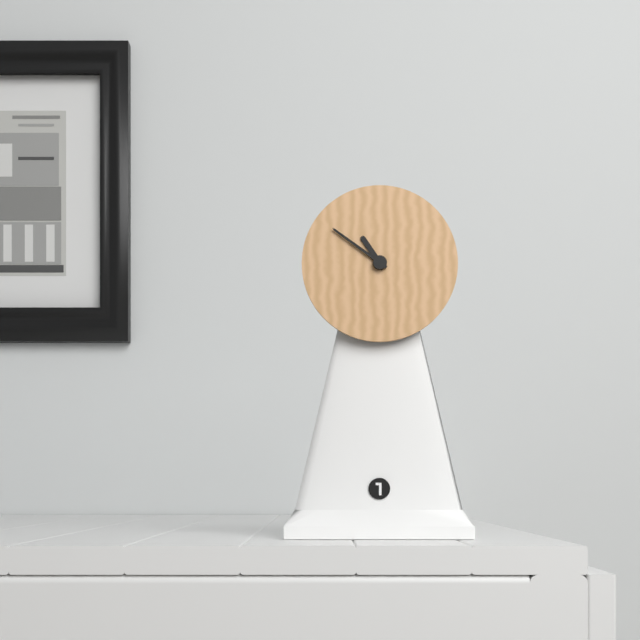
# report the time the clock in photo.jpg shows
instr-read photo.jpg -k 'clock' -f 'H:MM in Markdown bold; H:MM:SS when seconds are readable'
**10:51**
